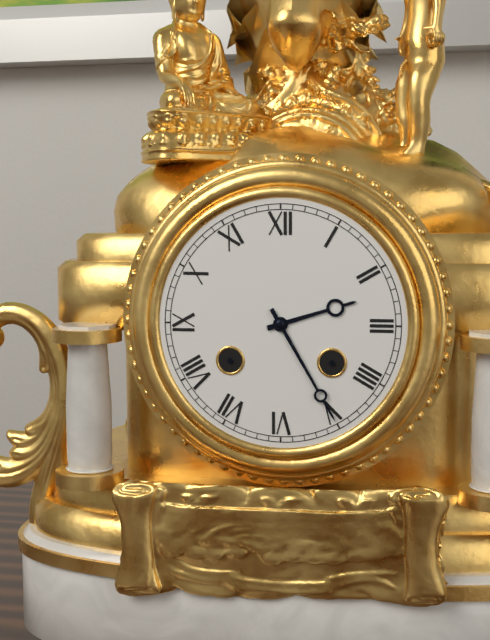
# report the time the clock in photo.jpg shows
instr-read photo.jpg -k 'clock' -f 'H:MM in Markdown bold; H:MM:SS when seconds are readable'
**2:25**
